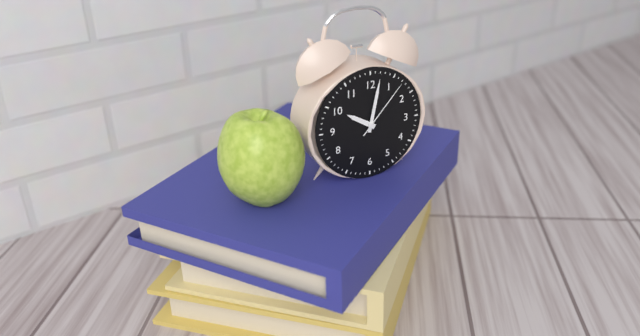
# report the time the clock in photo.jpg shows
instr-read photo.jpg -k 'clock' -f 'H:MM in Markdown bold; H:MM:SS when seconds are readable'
**10:02:07**
